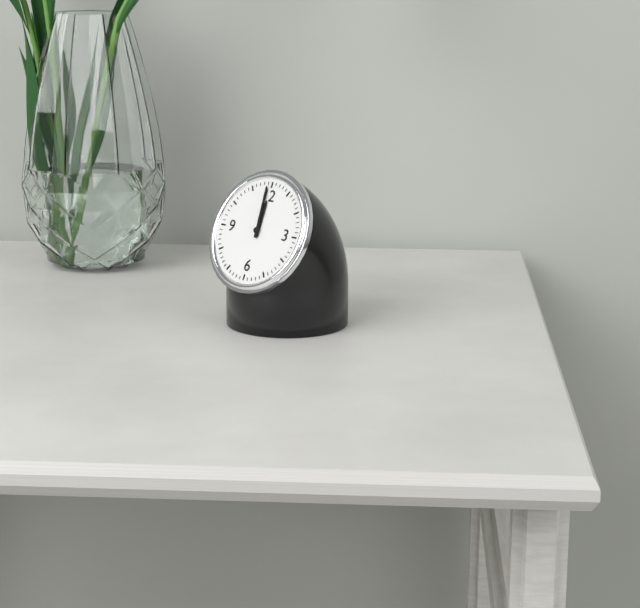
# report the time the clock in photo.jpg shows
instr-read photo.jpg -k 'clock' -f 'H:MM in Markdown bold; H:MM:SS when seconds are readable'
**11:59**
